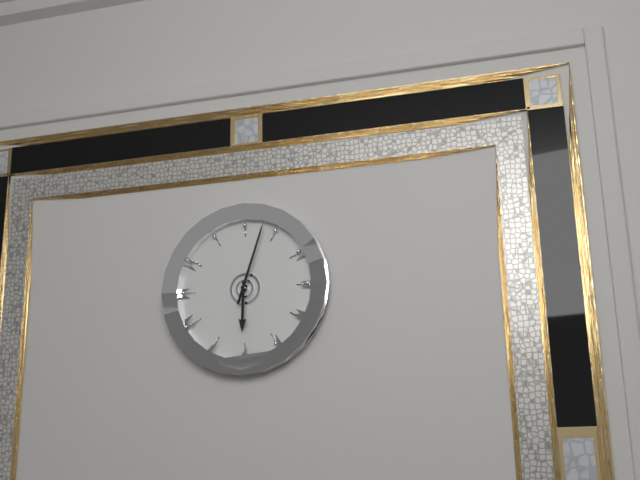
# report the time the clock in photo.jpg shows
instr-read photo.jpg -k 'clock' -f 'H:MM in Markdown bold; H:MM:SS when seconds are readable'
**6:03**
